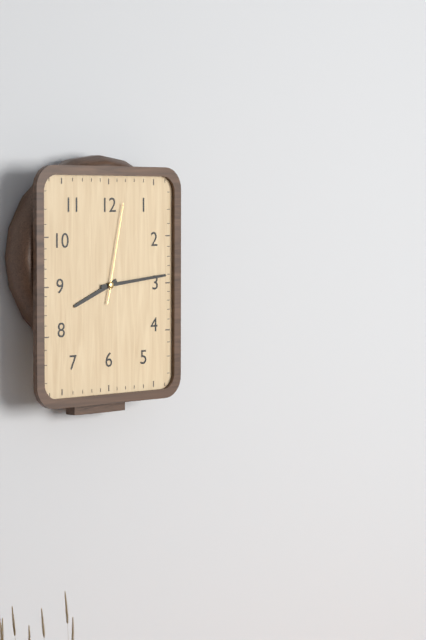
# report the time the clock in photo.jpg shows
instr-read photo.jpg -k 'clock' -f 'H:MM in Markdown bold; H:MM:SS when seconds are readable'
**8:14:02**
